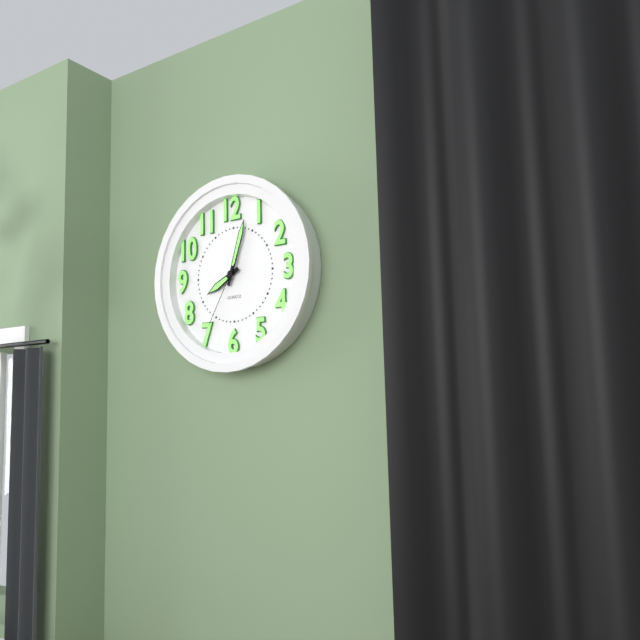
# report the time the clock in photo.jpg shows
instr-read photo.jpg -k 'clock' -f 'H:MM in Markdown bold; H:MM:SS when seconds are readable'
**8:03:35**
